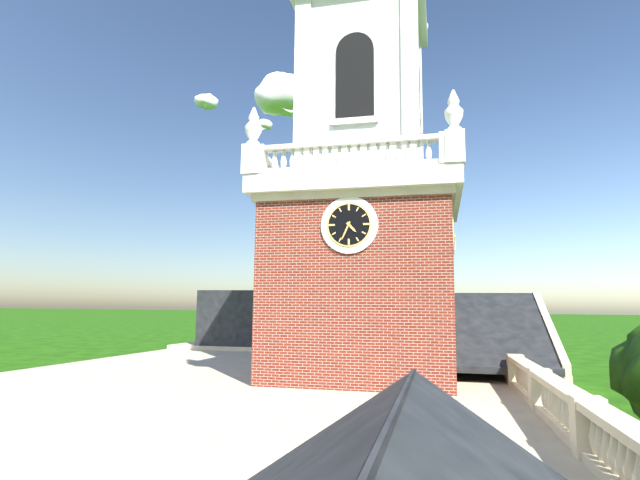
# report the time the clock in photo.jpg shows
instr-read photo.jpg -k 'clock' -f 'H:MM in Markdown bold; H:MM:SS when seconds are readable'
**4:34**
